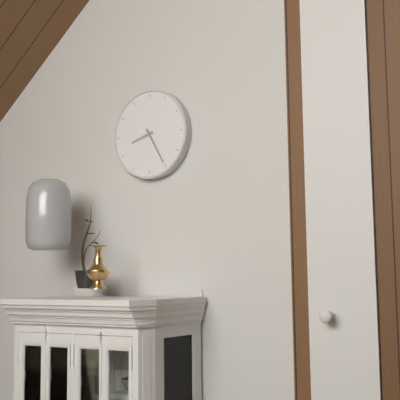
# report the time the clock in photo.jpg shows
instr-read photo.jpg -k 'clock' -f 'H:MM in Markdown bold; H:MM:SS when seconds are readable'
**8:25**
